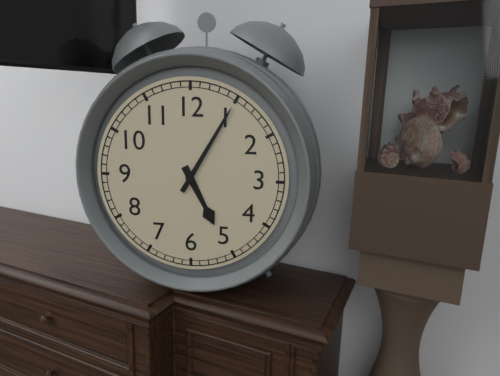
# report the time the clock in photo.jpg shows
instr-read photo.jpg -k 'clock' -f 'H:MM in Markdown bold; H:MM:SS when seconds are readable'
**5:05**
